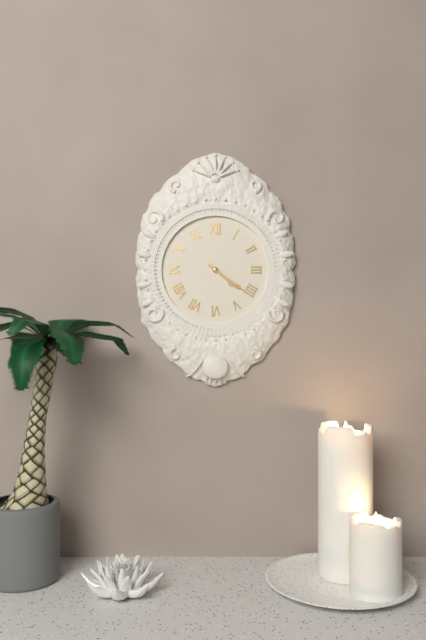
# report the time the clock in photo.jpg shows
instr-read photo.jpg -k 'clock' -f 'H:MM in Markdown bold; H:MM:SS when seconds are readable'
**4:21**
